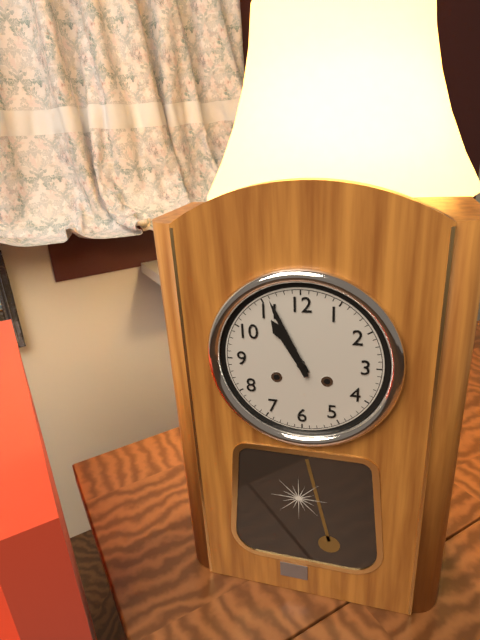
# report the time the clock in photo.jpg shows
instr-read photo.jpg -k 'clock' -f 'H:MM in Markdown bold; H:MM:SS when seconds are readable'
**10:56**
